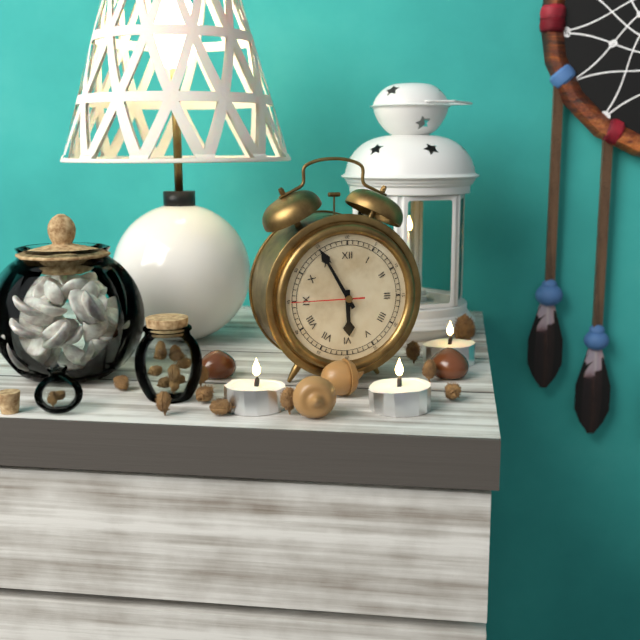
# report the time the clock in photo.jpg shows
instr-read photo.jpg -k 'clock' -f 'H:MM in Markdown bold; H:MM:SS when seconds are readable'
**5:55:45**
